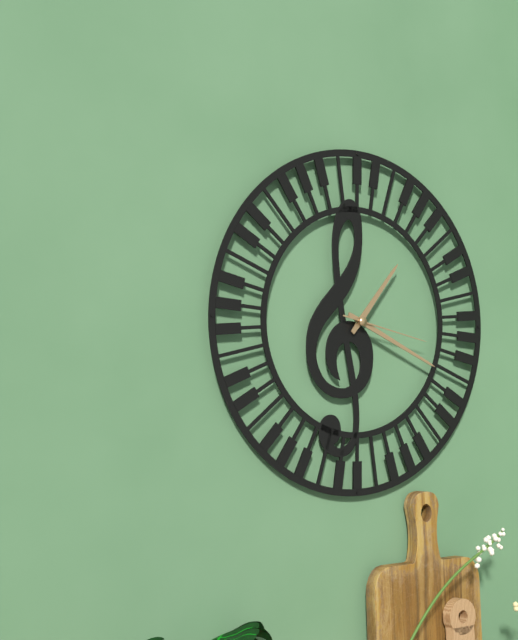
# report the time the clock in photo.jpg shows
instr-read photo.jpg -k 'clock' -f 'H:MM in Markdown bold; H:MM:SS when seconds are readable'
**1:19:17**
